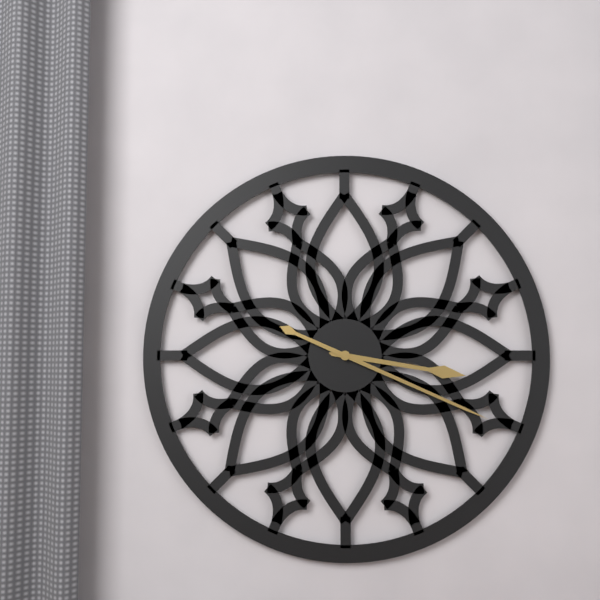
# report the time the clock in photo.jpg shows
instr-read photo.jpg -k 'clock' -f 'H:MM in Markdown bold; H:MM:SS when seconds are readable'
**3:19**
